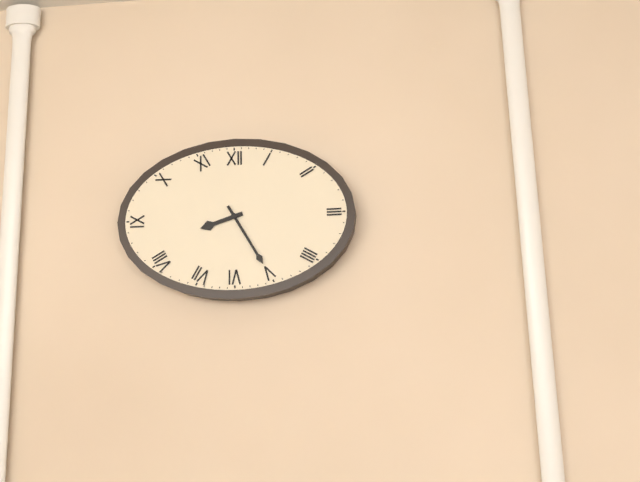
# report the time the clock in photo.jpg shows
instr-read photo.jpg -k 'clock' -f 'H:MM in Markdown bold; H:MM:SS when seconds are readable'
**8:25**
